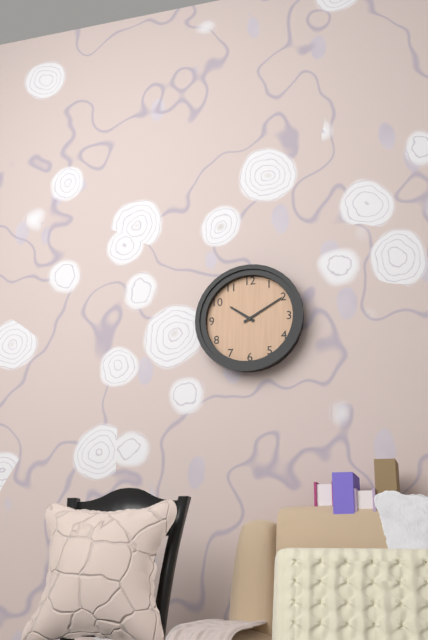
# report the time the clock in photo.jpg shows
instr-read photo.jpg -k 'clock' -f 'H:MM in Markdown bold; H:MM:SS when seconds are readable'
**10:10**
